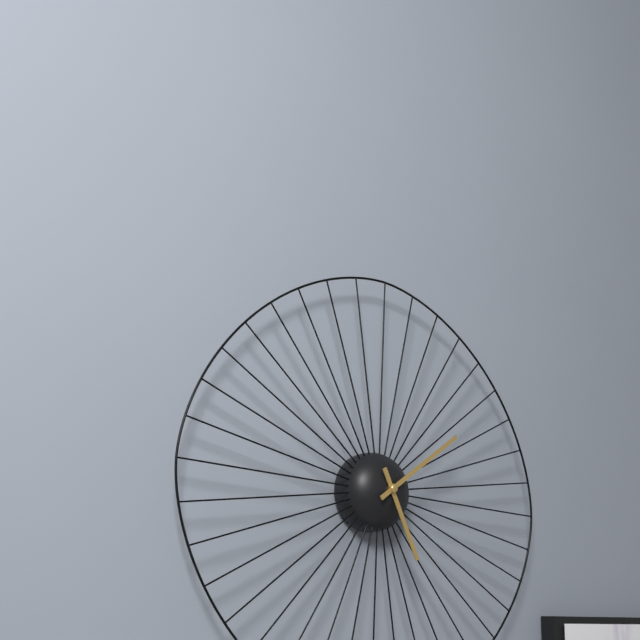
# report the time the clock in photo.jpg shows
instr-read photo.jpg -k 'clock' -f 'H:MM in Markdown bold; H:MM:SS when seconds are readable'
**5:09**
